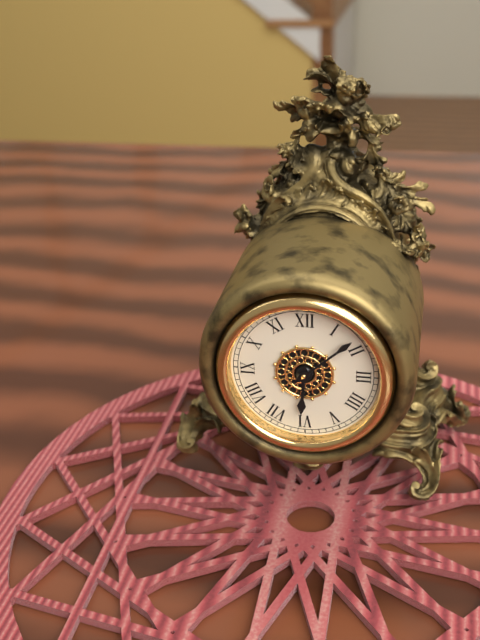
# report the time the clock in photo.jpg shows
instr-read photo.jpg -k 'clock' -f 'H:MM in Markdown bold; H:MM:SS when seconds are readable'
**6:08**
